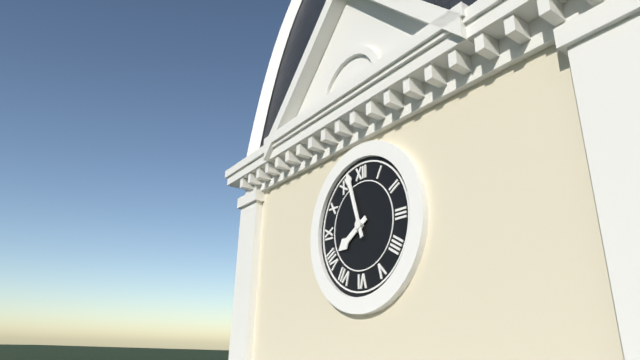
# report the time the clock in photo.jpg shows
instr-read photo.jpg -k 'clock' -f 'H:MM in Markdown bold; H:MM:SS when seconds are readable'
**7:57**
